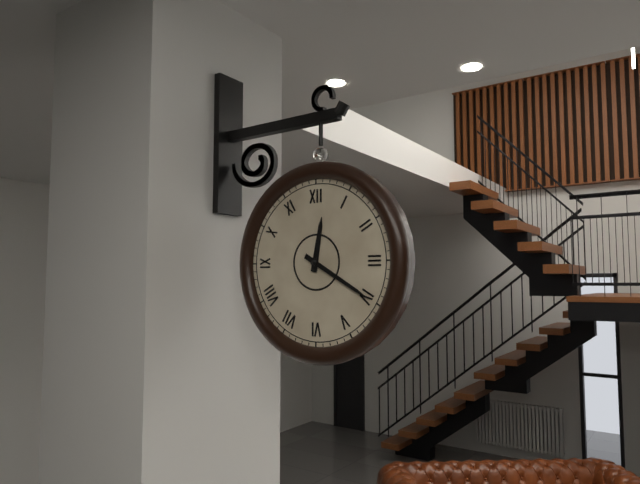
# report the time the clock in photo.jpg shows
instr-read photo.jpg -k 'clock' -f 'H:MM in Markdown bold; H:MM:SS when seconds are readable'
**12:20**
